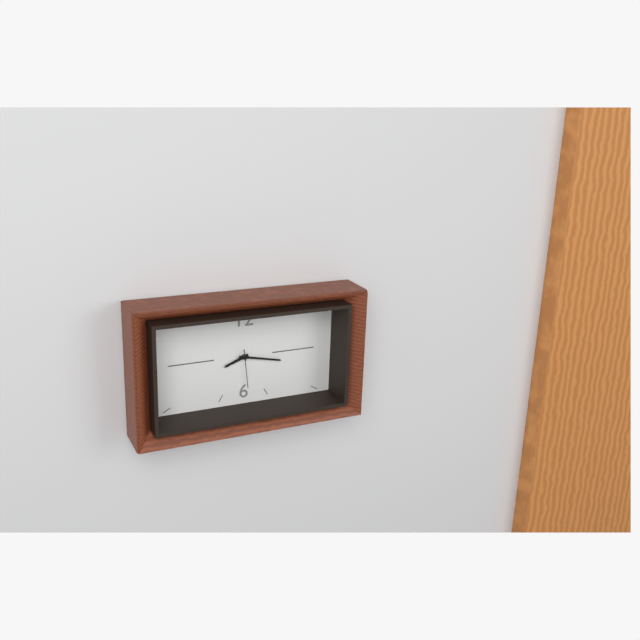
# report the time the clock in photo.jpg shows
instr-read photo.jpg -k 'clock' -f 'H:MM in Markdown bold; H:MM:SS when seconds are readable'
**8:17**
